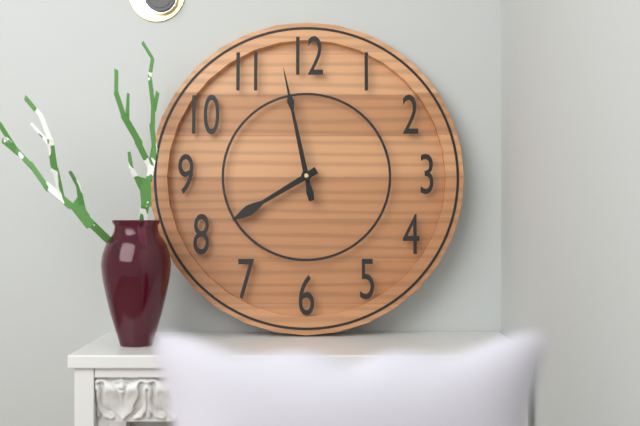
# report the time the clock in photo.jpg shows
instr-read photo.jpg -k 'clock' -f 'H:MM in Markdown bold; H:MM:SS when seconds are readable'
**7:58**
